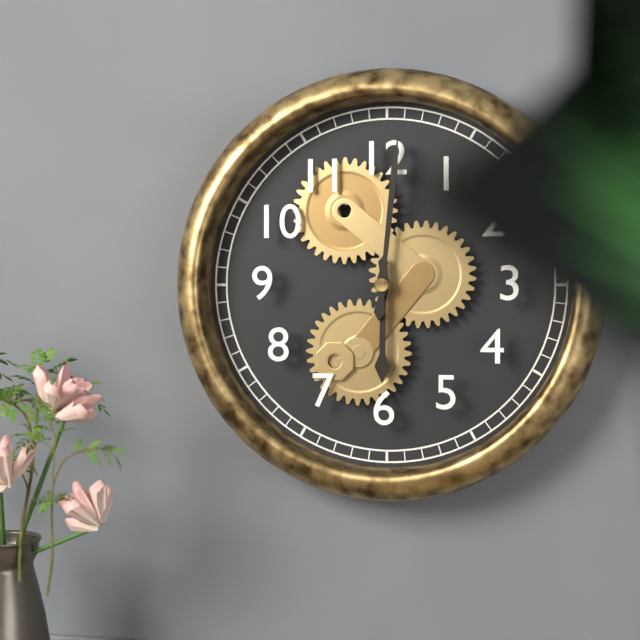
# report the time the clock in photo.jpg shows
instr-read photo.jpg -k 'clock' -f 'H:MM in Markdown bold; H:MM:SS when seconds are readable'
**6:01**
